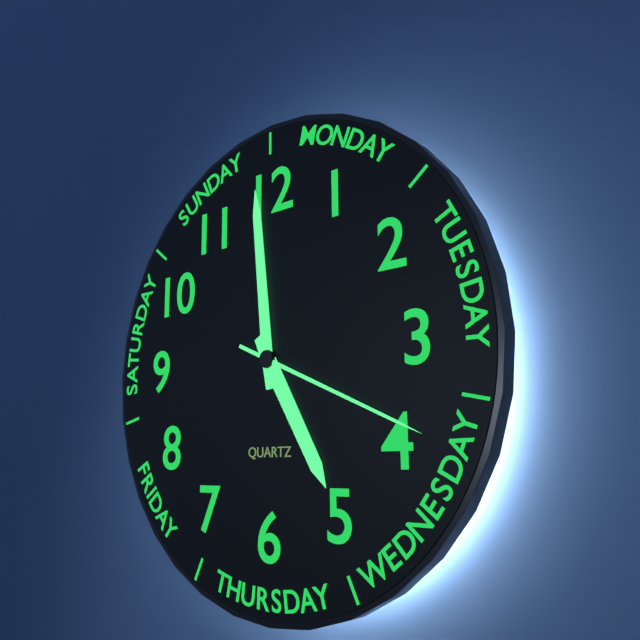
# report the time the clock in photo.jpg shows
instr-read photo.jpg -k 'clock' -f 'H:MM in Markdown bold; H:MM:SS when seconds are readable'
**4:59:19**
